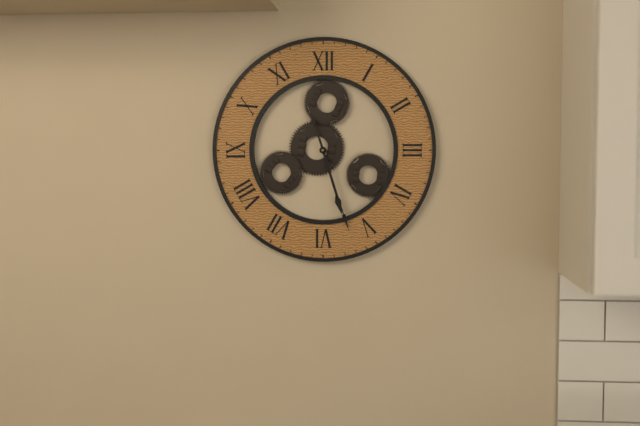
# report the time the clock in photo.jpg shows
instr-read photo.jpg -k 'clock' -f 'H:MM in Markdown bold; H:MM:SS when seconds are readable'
**5:27**
